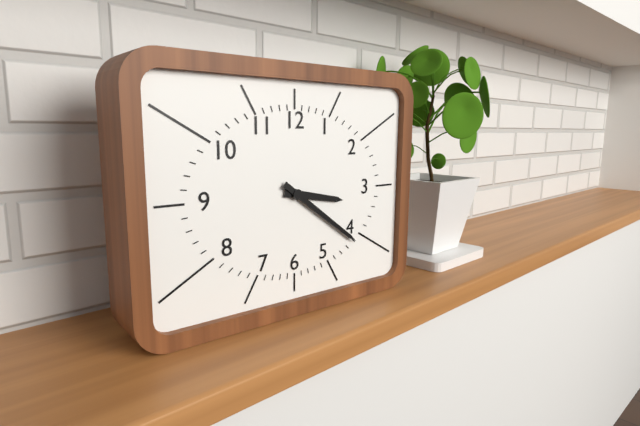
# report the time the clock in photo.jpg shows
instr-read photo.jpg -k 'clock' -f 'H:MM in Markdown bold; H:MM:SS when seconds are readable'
**3:21**
